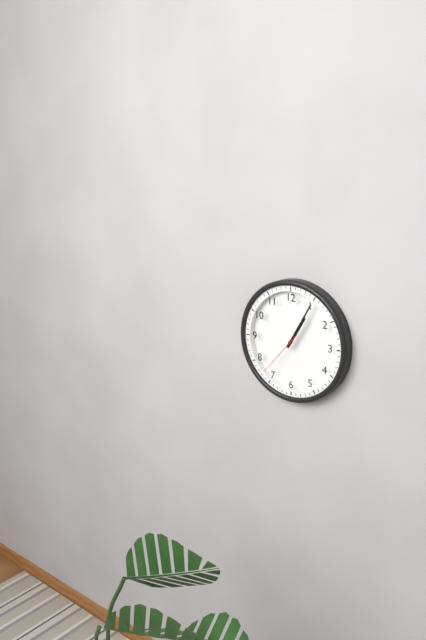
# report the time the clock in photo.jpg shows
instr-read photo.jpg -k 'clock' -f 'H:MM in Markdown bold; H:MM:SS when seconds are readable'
**1:05**
